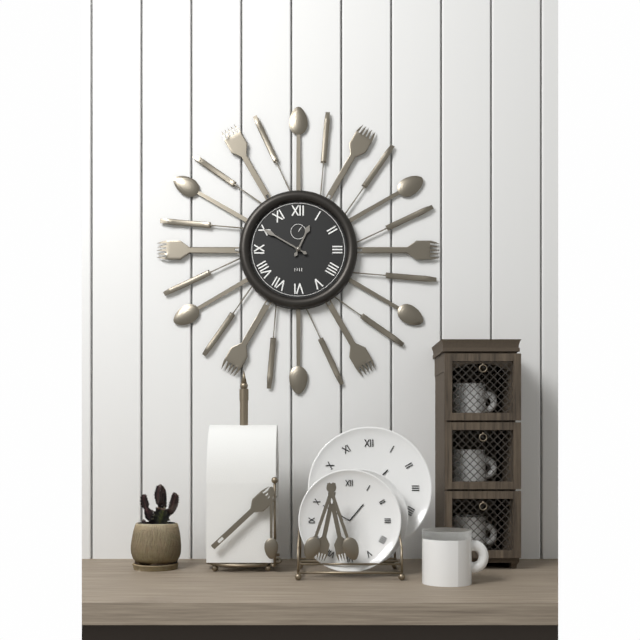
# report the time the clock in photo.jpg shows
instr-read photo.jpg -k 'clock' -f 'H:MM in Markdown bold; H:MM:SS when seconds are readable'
**12:50**
